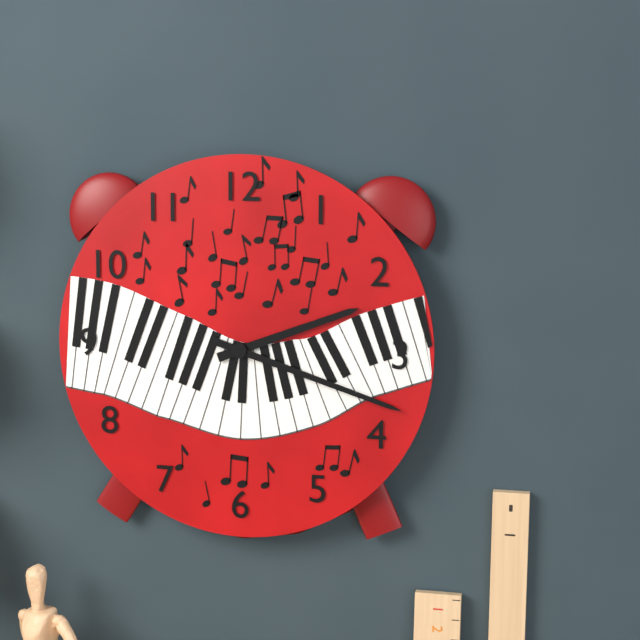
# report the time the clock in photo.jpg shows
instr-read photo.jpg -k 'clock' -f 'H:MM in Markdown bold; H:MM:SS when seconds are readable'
**2:18**
